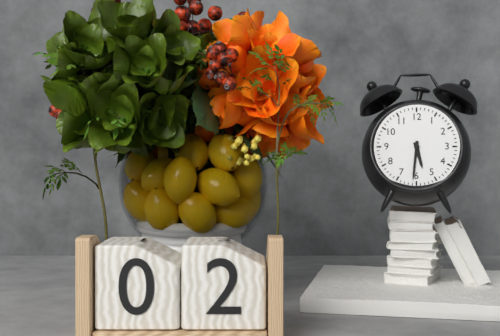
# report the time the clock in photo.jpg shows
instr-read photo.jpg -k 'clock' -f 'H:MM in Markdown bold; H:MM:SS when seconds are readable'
**5:31**
